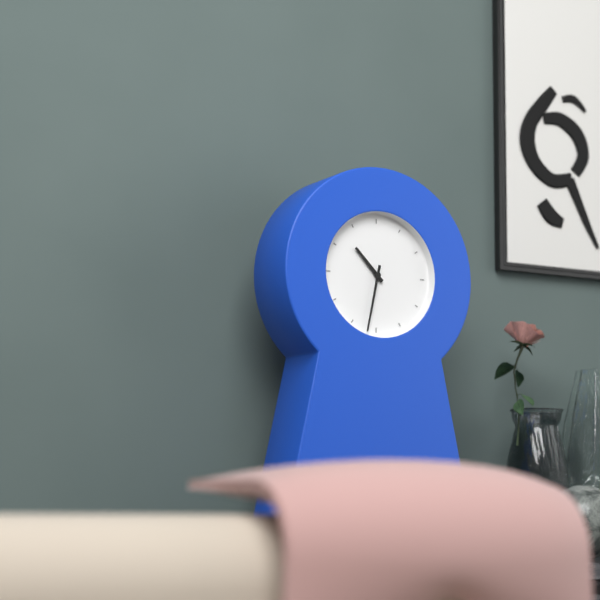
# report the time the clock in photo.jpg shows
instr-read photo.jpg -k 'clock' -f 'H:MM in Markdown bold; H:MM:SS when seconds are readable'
**10:32**
